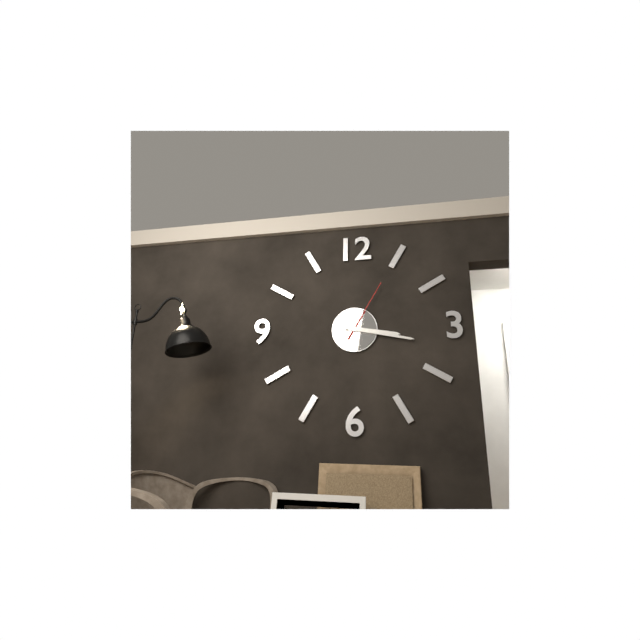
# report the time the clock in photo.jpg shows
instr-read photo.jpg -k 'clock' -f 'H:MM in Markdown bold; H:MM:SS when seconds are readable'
**3:17:05**
